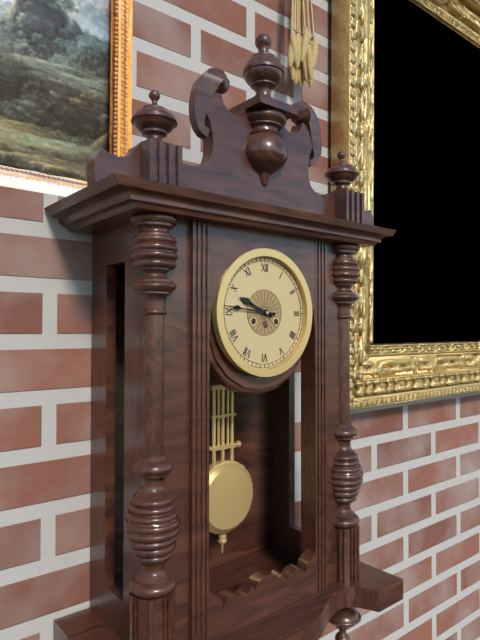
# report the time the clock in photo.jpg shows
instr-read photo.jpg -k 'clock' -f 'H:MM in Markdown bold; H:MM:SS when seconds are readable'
**9:46**
